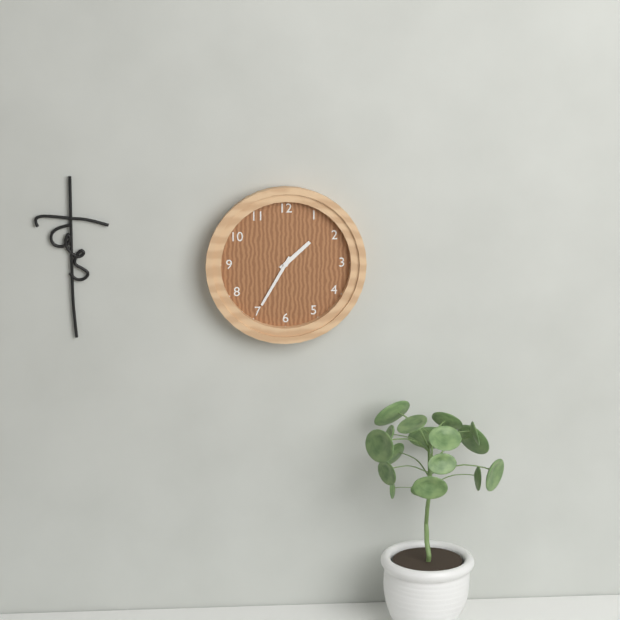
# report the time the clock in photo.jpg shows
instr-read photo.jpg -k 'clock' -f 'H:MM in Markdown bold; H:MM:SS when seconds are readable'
**1:35**
